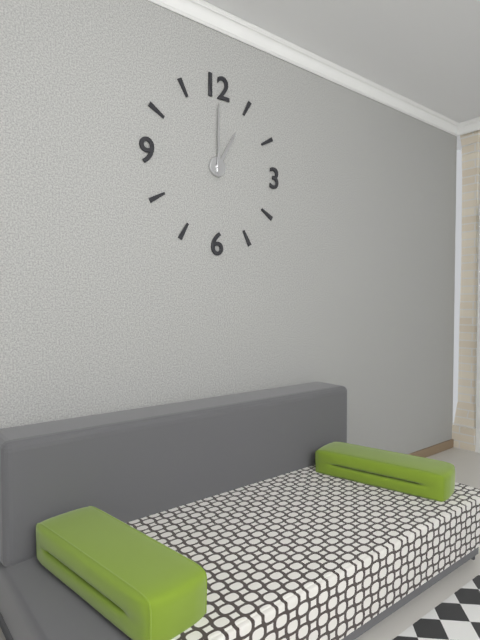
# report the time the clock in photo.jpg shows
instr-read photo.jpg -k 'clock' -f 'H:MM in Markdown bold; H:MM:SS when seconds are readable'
**1:00**
